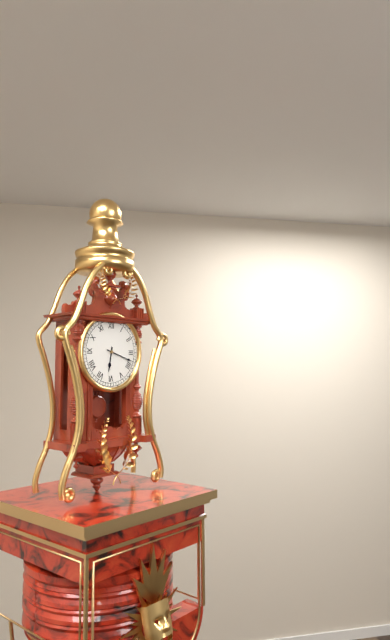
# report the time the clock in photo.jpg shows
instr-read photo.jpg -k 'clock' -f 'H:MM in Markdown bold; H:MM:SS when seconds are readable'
**6:18**
